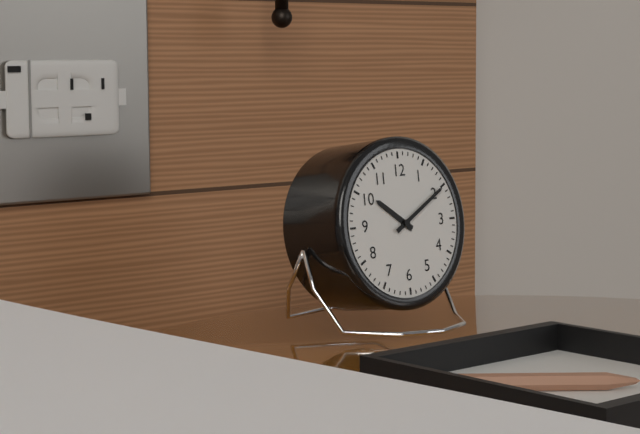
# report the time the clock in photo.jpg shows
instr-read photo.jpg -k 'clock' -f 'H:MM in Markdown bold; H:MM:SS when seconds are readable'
**10:10**
